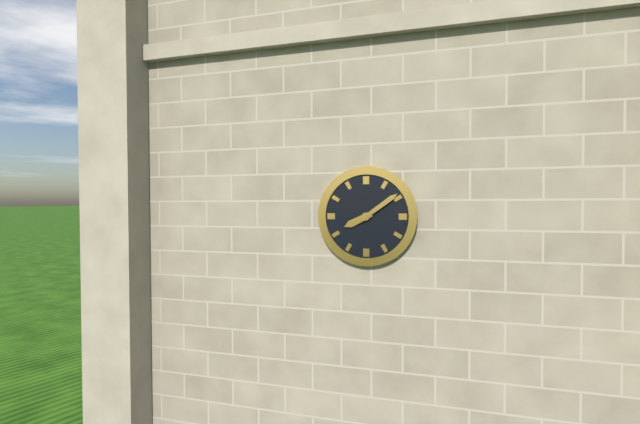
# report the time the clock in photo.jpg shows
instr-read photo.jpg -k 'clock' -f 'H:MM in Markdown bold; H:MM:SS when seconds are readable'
**8:09**
